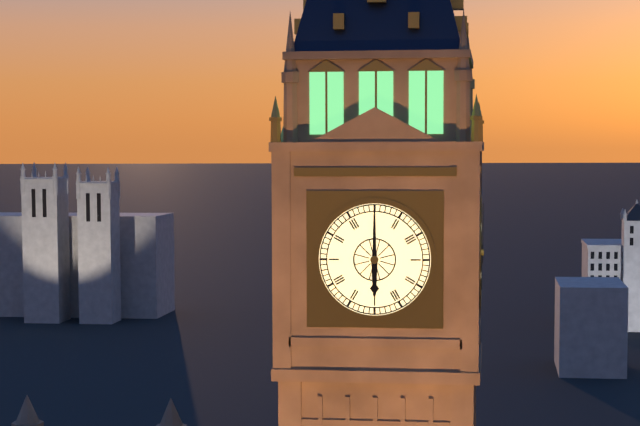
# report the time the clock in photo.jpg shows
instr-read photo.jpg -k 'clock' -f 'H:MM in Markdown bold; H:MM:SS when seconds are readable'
**6:00**
